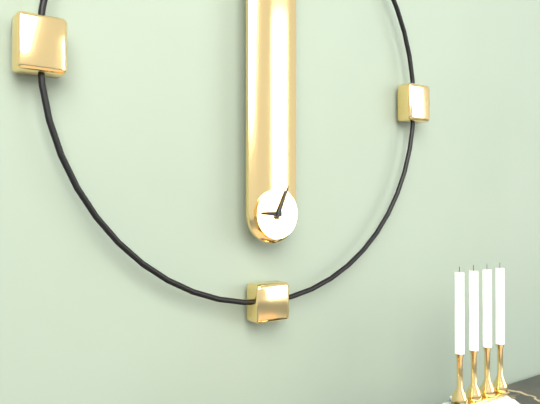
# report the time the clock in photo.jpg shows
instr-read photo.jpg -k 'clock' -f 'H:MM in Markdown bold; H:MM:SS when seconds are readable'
**9:04**
